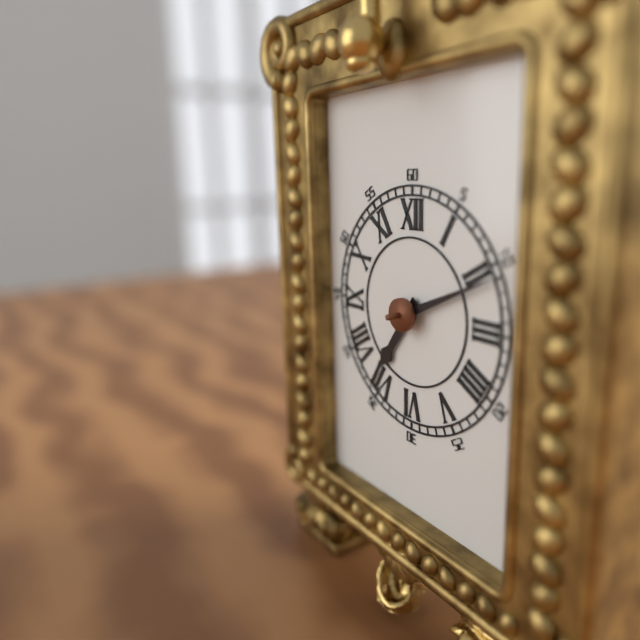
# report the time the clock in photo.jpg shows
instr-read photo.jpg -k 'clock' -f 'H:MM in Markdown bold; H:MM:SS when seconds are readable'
**7:11**
